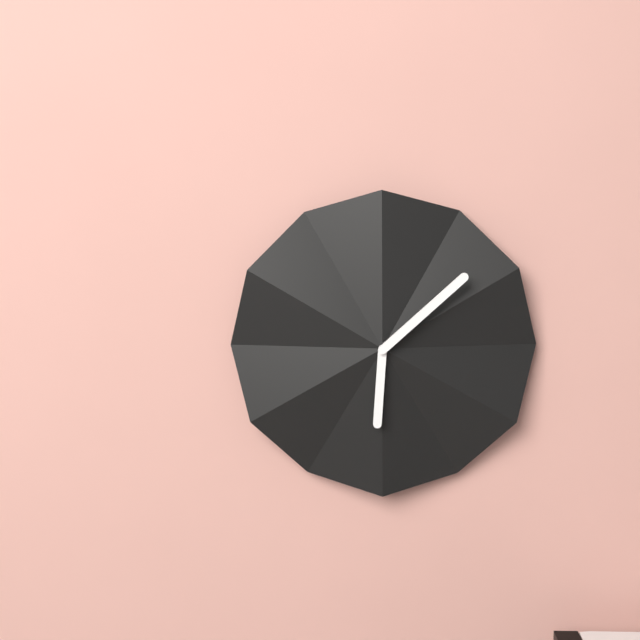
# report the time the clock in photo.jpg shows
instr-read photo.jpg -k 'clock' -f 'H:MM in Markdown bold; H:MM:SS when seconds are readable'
**6:08**
